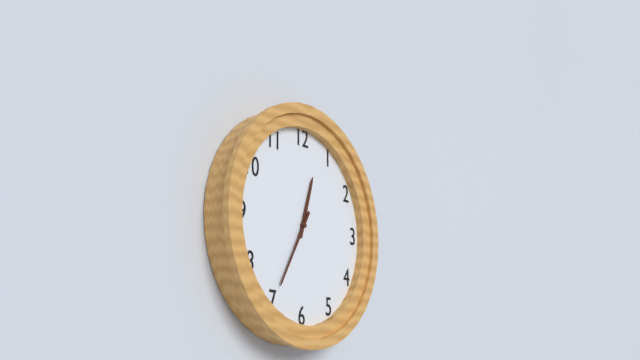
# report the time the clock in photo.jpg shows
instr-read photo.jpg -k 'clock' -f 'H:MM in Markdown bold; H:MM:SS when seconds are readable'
**12:35**
